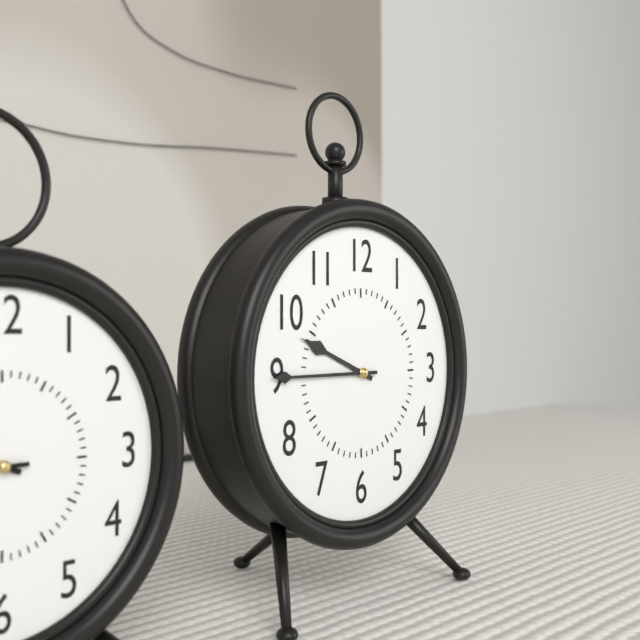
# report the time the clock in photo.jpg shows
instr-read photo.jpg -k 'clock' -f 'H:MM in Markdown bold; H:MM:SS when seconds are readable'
**9:45**
